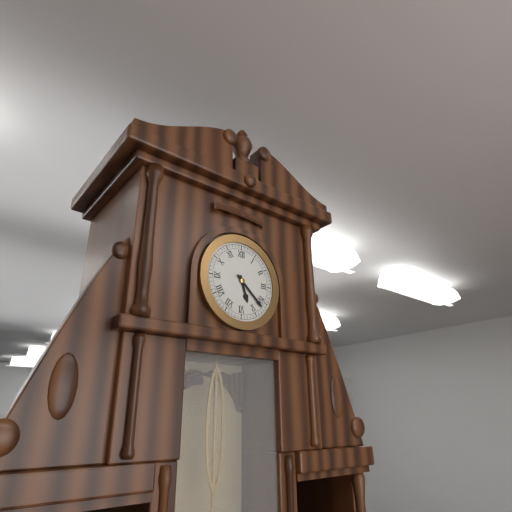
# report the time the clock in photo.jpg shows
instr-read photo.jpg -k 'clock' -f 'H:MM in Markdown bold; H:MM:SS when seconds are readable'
**5:22**
